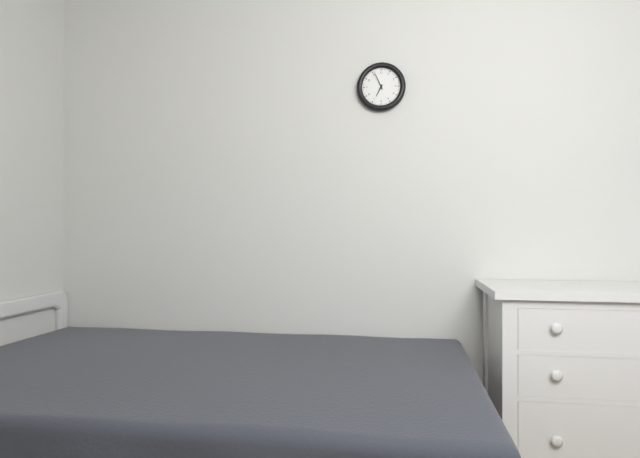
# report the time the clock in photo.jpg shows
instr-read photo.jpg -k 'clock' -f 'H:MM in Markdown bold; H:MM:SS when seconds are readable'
**6:56**
